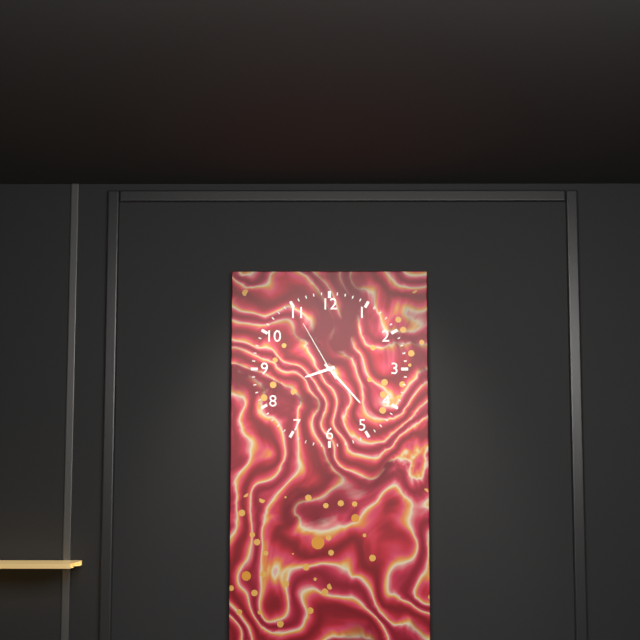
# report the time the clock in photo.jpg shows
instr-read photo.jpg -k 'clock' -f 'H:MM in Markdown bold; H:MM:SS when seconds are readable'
**8:23:55**
